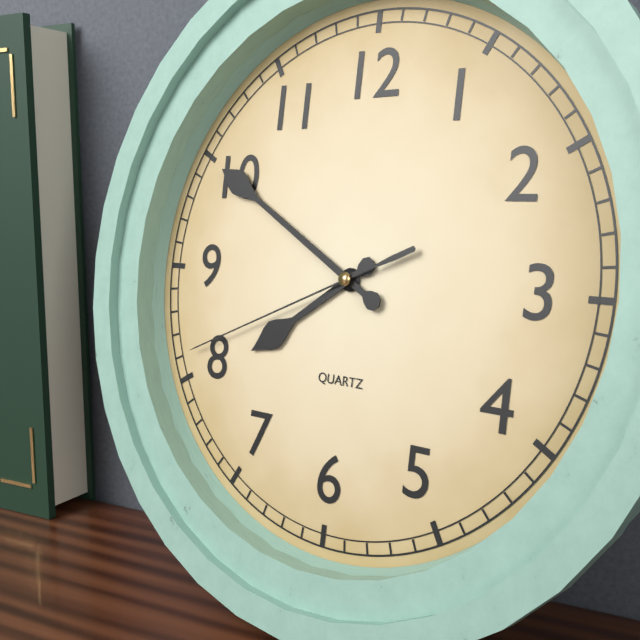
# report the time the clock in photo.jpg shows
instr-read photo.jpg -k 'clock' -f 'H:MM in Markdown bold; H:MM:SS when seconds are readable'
**7:50:41**
